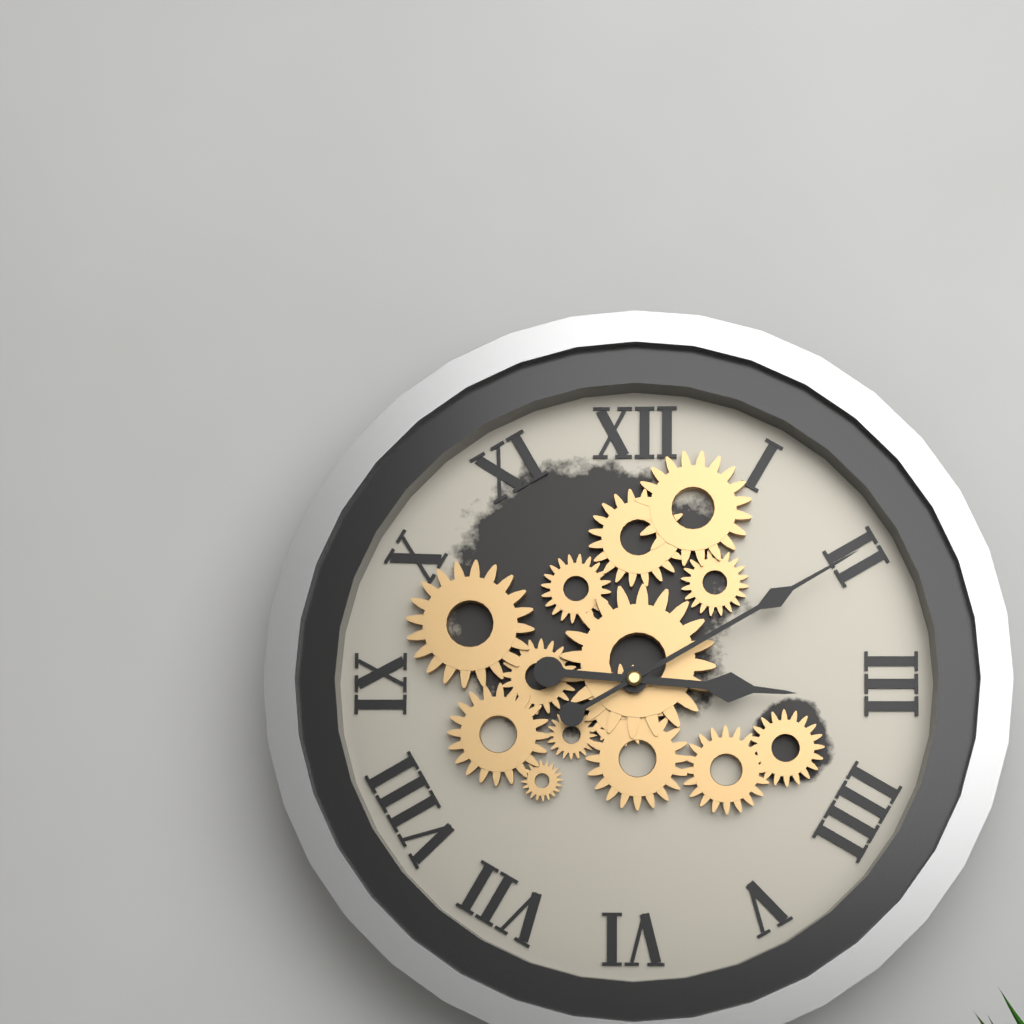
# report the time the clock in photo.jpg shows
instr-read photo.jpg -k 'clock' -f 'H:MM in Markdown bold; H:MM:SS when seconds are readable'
**3:10**
